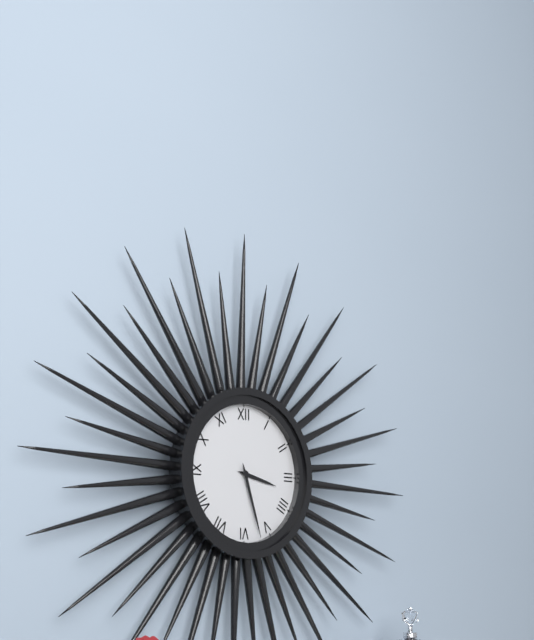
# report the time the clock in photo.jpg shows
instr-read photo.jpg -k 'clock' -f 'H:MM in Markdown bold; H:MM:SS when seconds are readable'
**3:27**
